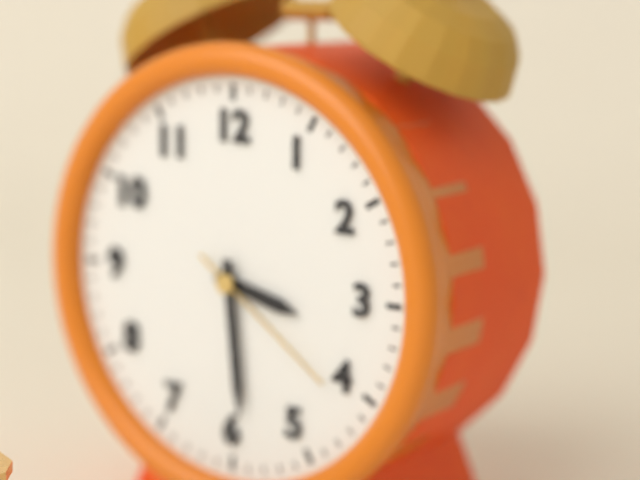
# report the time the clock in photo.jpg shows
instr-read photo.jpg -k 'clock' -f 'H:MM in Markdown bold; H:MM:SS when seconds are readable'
**3:29:21**
